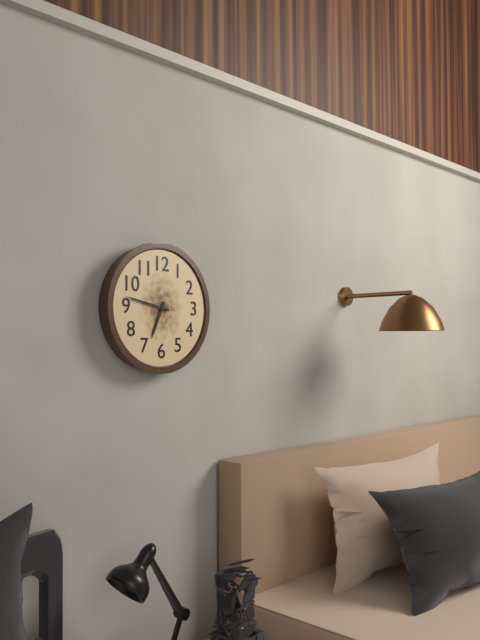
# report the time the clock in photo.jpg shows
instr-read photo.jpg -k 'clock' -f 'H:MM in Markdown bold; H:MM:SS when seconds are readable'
**6:47**
